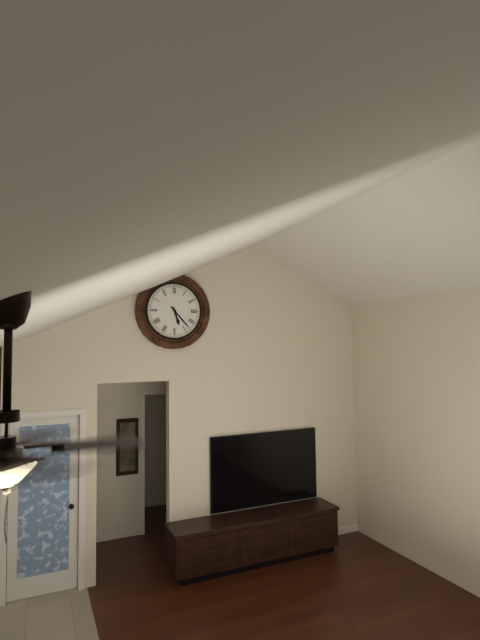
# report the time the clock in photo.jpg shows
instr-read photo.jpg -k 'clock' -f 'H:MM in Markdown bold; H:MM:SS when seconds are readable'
**5:23**
